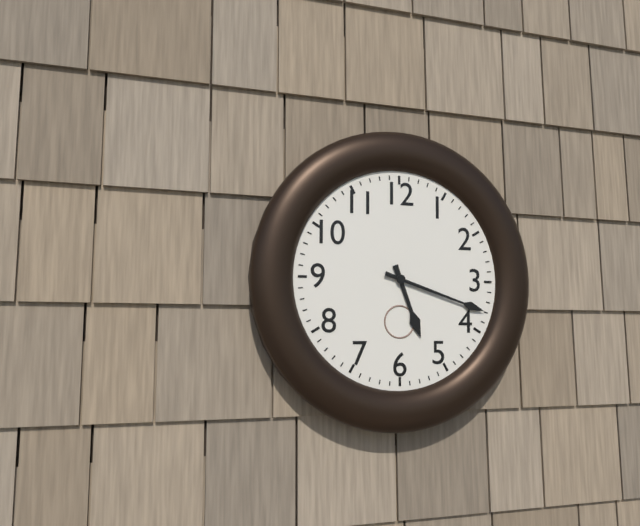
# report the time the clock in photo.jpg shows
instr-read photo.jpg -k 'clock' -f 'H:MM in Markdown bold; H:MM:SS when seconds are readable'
**5:18**
